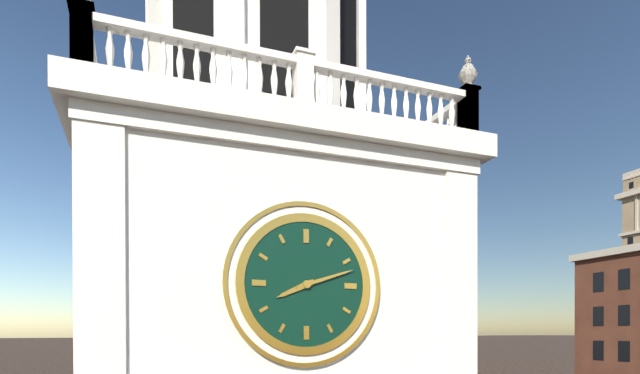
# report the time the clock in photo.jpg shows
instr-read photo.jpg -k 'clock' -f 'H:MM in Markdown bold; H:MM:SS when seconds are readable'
**8:12**
